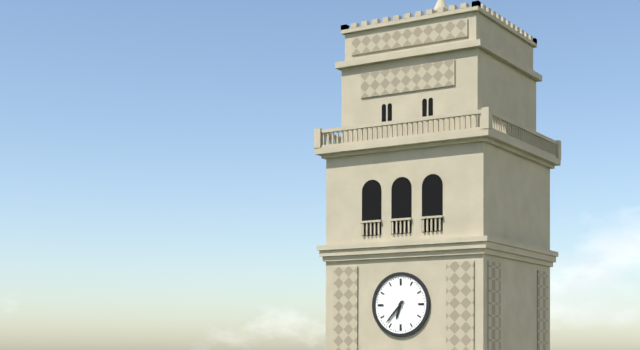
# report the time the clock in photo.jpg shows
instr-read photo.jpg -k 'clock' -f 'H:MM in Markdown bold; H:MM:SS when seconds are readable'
**6:37**
